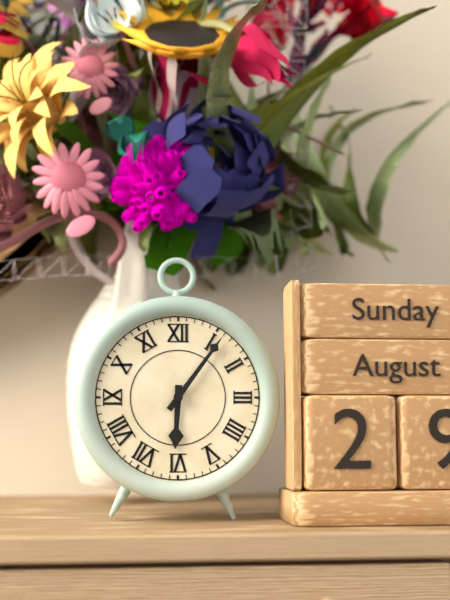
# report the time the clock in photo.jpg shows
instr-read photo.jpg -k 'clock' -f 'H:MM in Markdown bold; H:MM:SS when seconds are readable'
**6:06**
